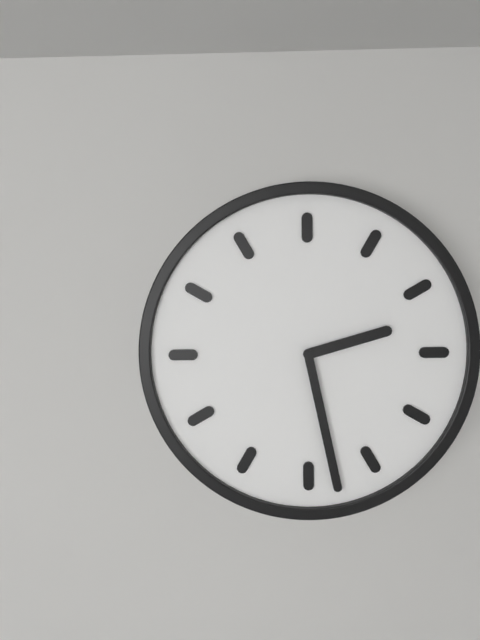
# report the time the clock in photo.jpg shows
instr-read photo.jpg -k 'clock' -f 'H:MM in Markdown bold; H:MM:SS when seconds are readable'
**2:28**
